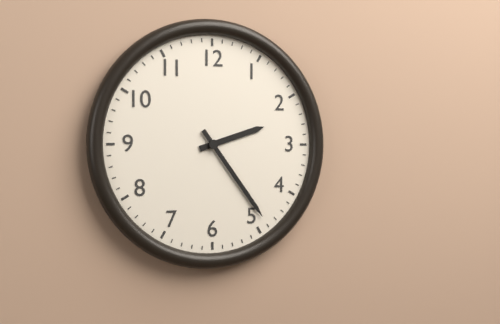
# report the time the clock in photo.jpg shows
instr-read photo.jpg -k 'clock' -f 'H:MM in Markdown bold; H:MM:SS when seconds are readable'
**2:24**
